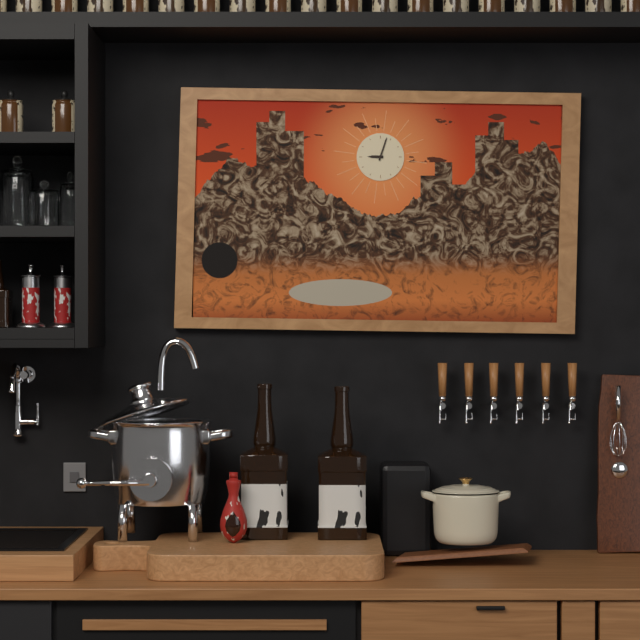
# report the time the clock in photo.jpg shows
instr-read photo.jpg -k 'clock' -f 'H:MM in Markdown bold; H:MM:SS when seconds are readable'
**9:03**
